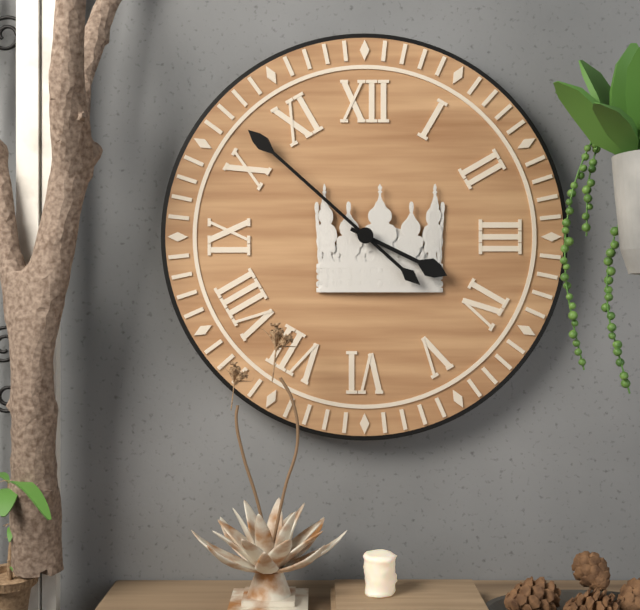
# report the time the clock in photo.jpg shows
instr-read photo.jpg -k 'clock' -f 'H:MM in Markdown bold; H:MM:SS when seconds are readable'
**3:52**
